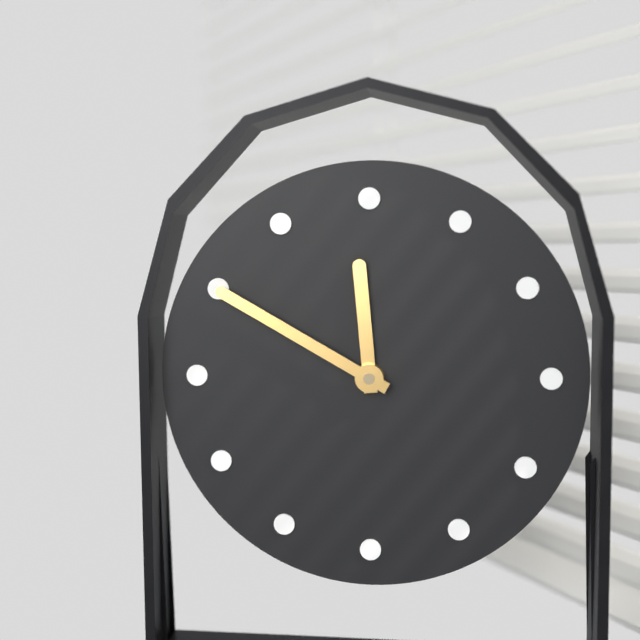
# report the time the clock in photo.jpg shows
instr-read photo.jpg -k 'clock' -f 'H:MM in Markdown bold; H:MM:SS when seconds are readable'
**11:50**
